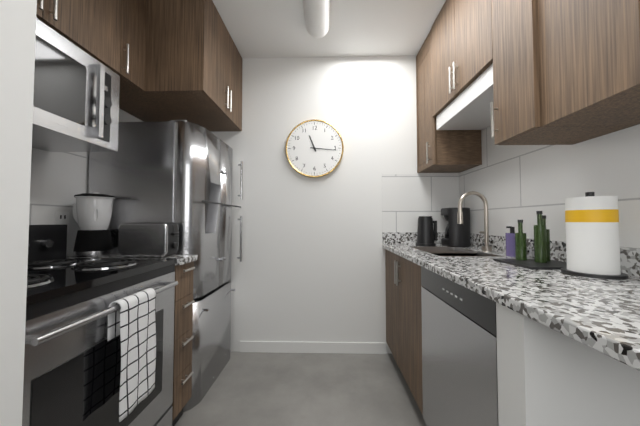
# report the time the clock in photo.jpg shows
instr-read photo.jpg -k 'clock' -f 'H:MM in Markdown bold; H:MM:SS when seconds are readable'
**11:16**
